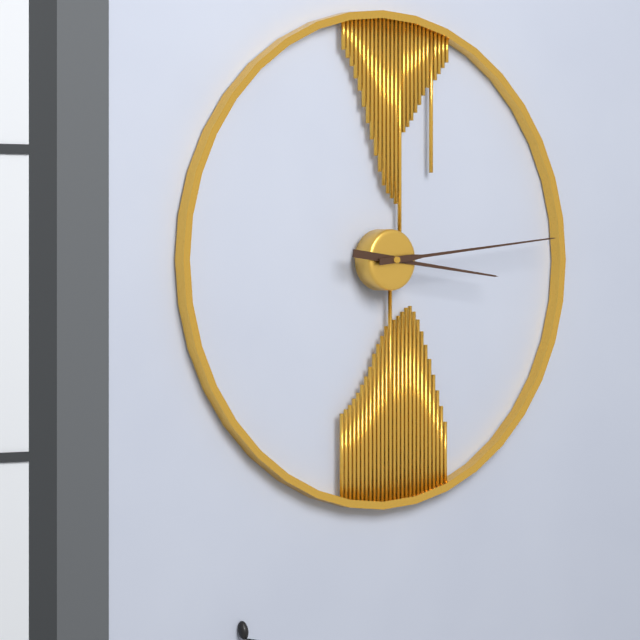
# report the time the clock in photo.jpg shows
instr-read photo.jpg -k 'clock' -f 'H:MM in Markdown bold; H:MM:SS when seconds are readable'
**3:14**
